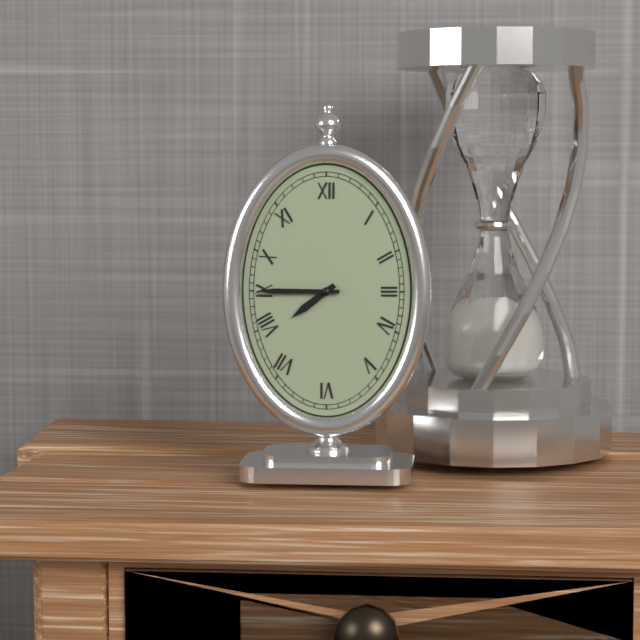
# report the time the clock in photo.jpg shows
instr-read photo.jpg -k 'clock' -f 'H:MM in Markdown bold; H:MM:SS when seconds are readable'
**7:45**
